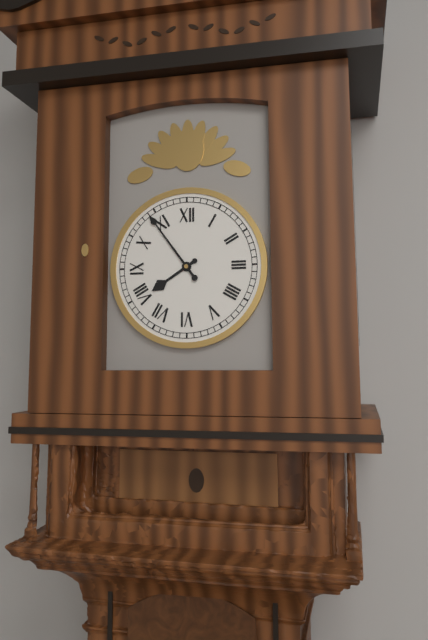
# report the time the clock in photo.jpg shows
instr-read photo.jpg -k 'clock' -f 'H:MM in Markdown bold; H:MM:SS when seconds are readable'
**7:54**
